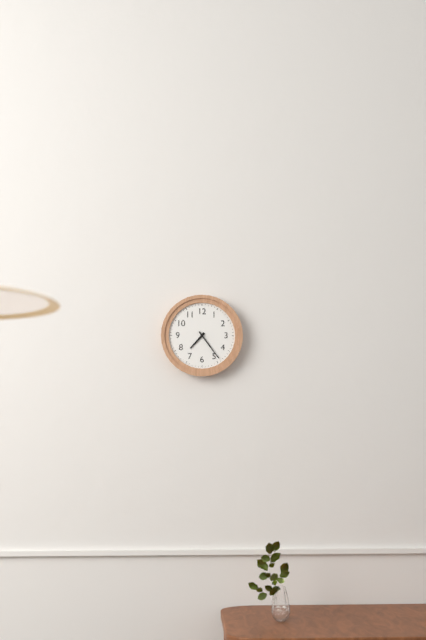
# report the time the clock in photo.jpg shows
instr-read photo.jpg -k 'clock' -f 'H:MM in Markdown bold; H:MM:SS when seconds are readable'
**7:24**
